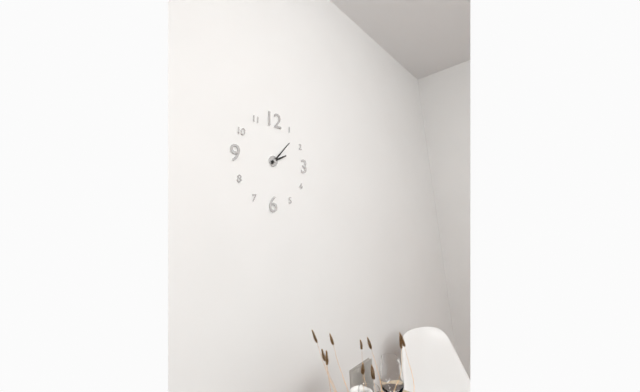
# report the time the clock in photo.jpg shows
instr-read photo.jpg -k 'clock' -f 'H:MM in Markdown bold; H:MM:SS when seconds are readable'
**2:07**
